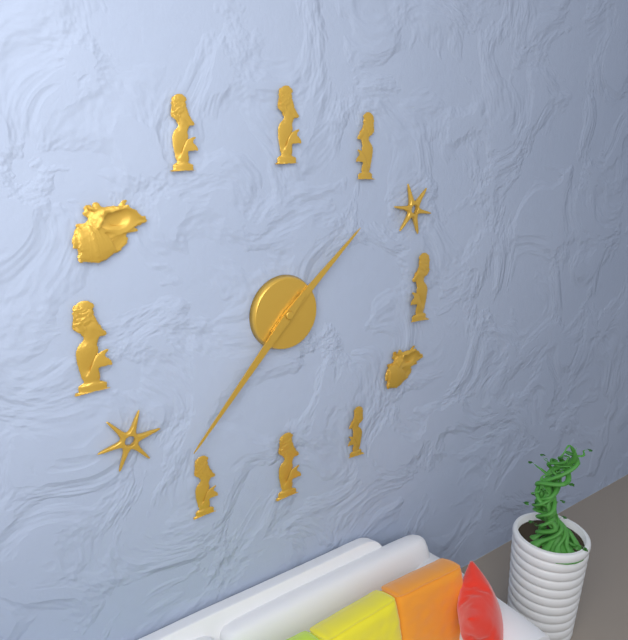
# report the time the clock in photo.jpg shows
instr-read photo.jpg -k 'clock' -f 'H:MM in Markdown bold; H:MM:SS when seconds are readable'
**1:37**
